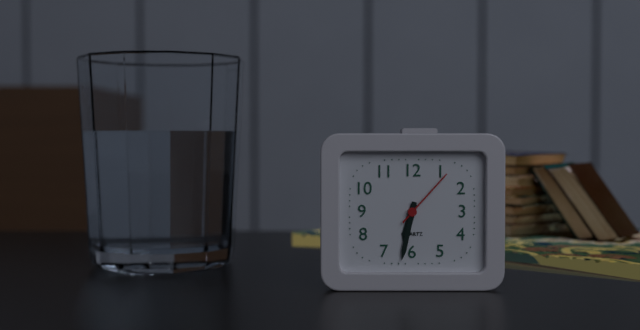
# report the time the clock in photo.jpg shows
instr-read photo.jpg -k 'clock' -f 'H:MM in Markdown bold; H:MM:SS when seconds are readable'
**6:32:07**
